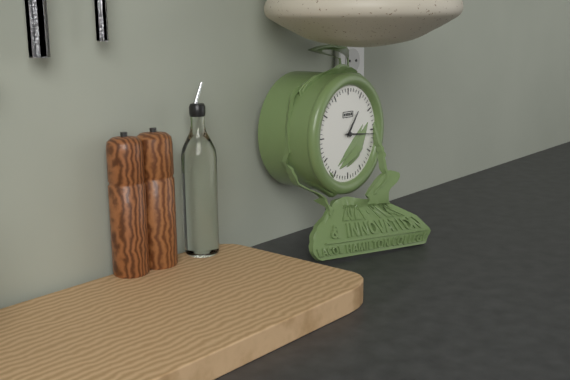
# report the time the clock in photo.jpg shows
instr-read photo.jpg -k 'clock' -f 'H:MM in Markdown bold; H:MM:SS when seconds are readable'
**1:16**
